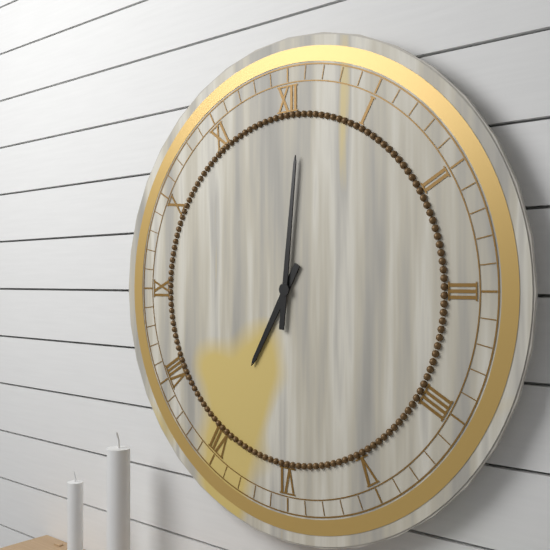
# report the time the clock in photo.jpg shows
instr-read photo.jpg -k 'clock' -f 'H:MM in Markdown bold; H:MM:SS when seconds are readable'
**7:01**
